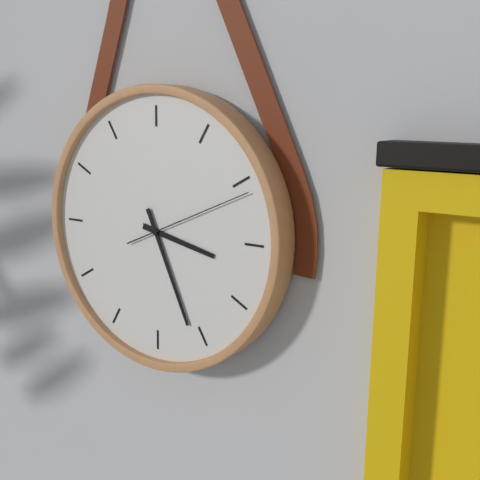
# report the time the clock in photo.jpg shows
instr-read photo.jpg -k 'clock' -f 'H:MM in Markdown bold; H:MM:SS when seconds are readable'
**3:26:11**
